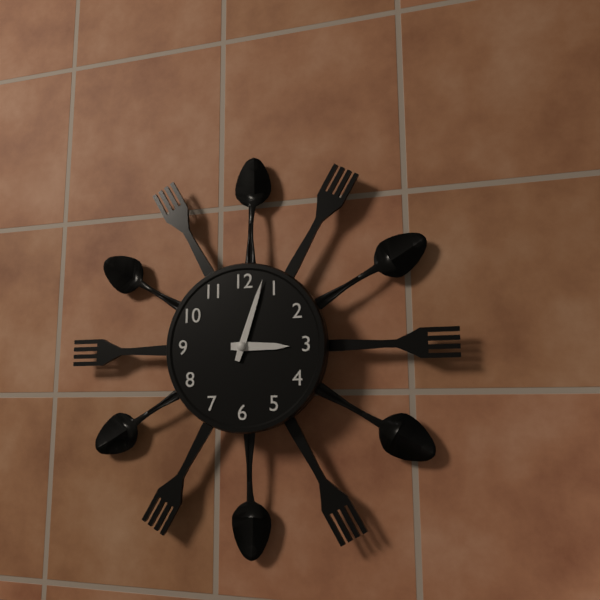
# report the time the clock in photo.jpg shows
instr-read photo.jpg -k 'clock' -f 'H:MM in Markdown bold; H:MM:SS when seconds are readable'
**3:03**
